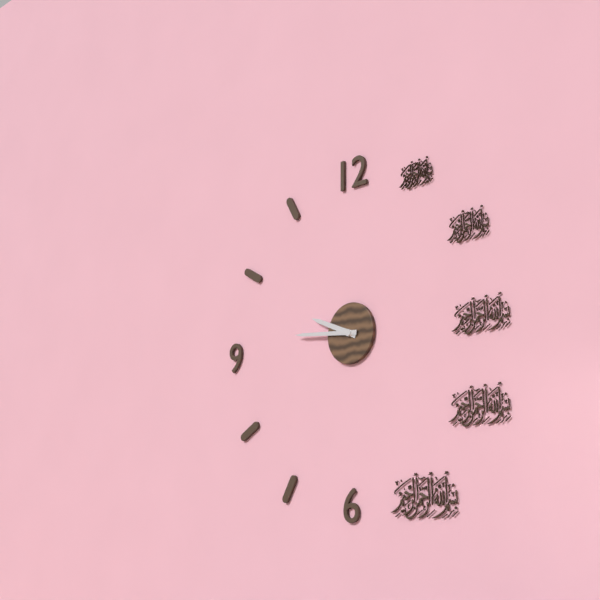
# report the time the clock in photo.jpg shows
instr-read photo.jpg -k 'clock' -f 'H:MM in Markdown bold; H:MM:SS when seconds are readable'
**9:46**
